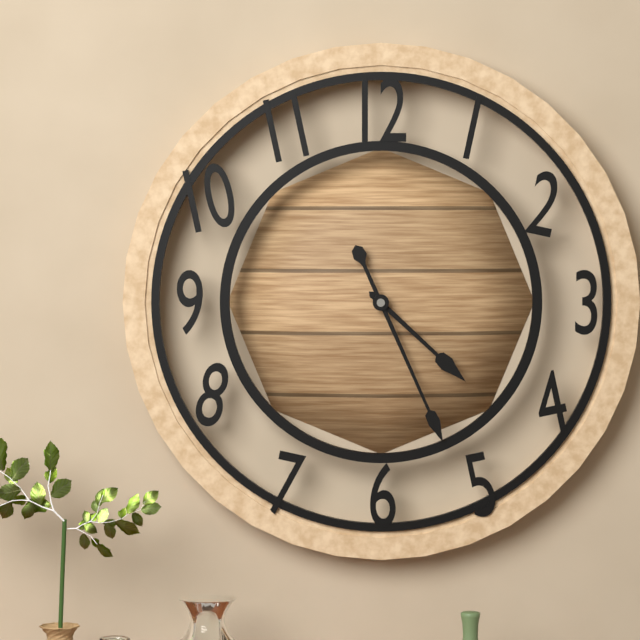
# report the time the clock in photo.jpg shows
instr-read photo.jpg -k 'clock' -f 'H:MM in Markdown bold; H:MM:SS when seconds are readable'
**4:26**
